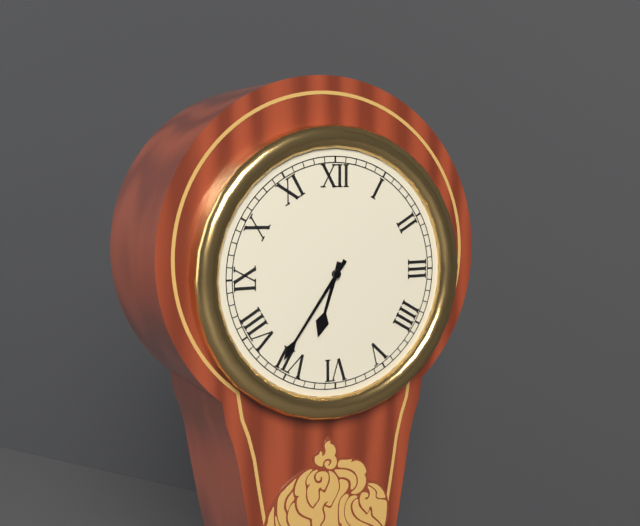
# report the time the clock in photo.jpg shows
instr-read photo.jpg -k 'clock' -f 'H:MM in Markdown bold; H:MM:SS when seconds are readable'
**6:36**
